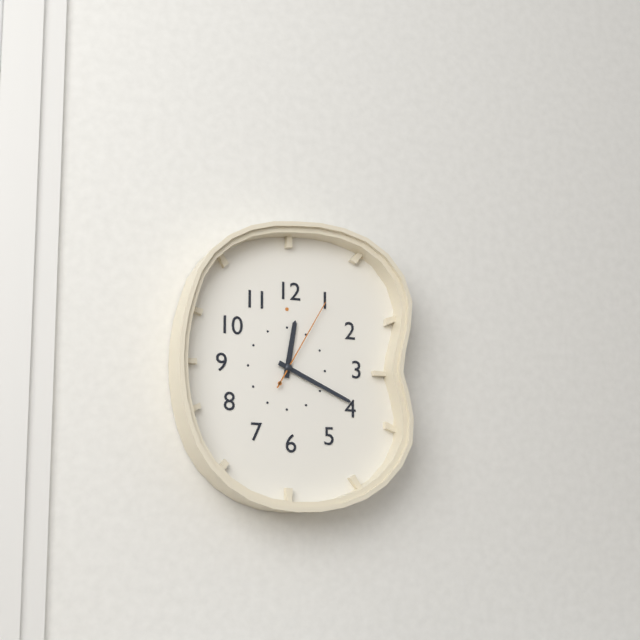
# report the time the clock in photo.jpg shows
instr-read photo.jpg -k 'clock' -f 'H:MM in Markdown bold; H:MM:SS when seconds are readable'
**12:19:05**
